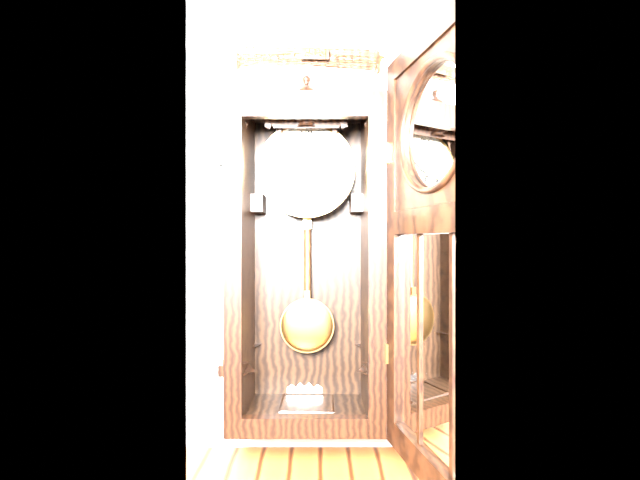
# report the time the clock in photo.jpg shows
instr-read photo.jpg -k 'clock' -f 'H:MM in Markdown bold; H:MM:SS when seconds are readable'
**6:09**
